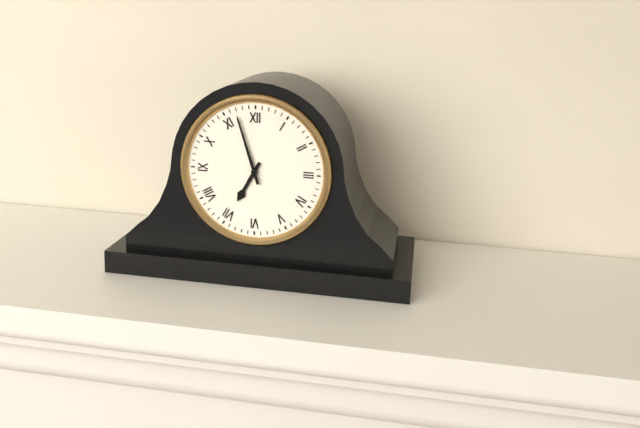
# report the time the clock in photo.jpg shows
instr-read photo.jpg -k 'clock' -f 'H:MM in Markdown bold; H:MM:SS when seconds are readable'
**6:57**
